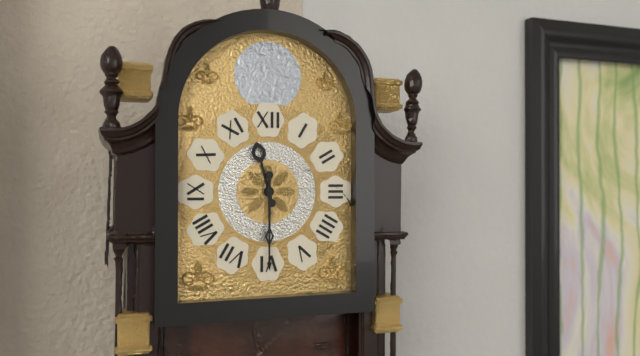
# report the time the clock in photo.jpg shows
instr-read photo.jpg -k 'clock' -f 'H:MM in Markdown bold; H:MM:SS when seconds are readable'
**11:30**
